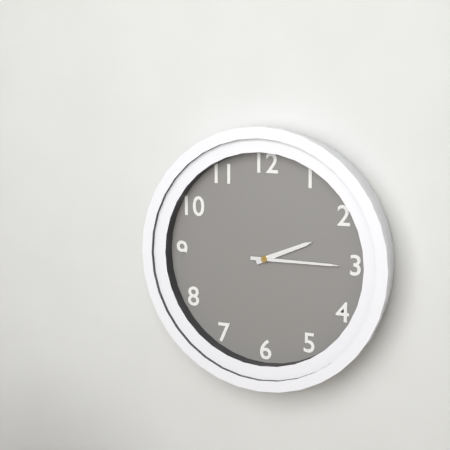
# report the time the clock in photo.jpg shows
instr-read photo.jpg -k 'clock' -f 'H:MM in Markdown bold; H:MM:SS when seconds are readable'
**2:15**
